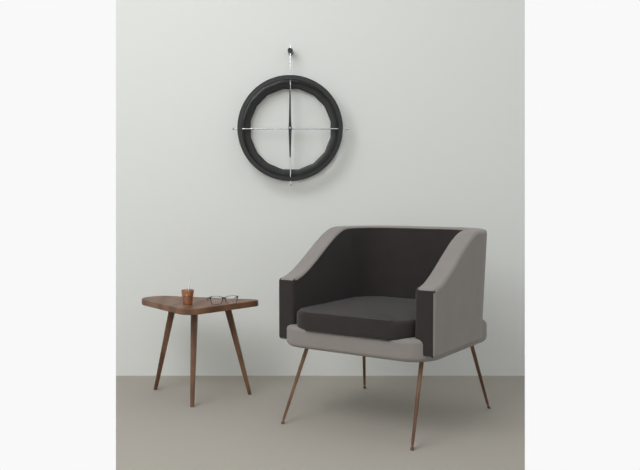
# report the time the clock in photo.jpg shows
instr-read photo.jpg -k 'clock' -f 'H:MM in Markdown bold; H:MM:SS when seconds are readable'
**6:00**
